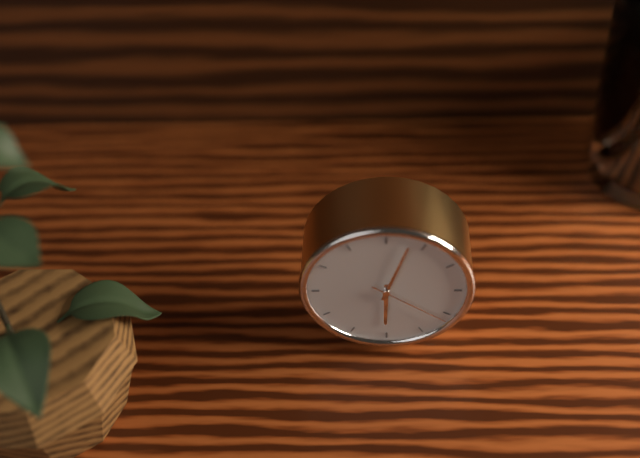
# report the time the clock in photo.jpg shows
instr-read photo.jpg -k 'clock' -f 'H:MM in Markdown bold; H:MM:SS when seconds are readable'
**6:03:21**
